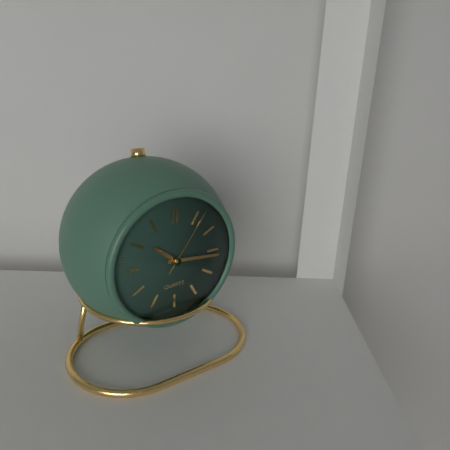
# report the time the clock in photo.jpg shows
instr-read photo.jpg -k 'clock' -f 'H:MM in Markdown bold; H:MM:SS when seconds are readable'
**10:16:06**
